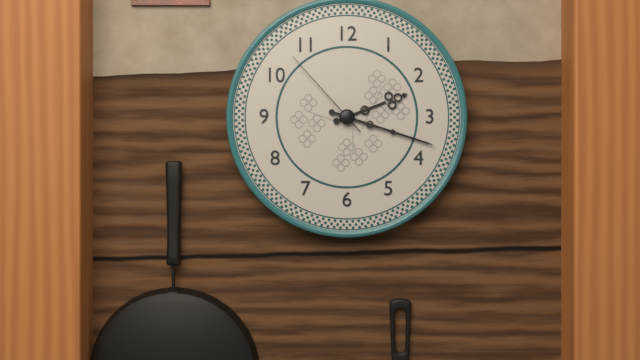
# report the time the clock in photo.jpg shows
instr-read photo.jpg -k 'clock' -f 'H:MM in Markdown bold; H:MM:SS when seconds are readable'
**2:18:53**
